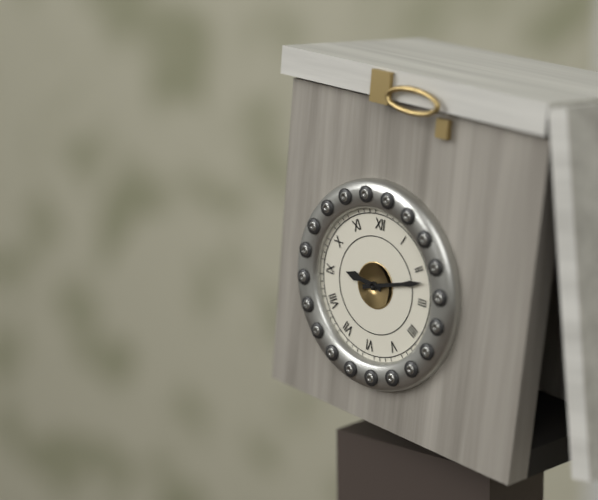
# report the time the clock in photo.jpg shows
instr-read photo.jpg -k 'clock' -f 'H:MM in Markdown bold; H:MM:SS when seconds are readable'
**9:12**
